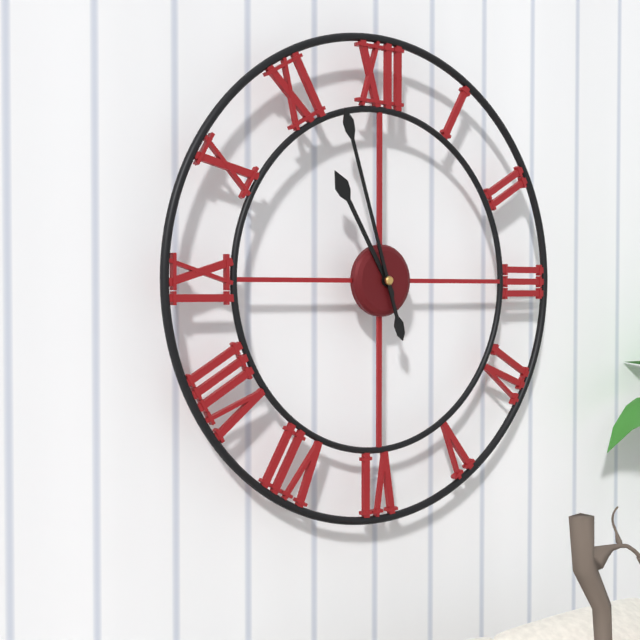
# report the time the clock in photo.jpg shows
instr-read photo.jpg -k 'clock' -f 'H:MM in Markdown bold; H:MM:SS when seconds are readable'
**10:57**
